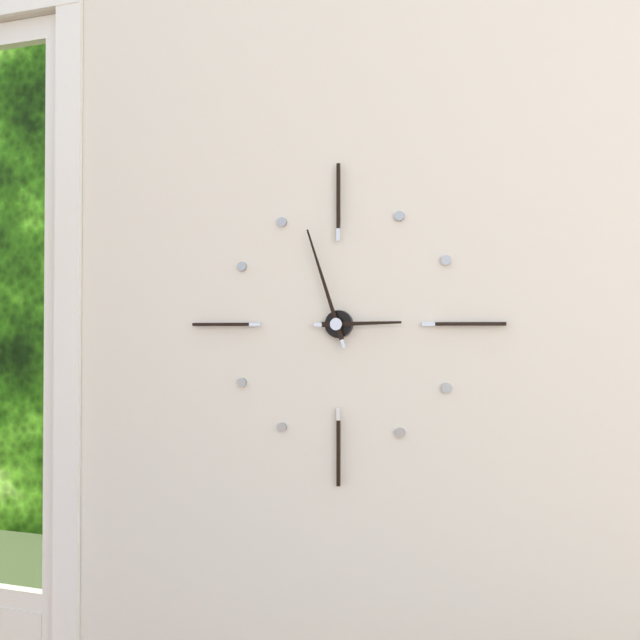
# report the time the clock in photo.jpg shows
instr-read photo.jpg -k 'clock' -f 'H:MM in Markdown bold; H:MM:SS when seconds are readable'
**2:57**
